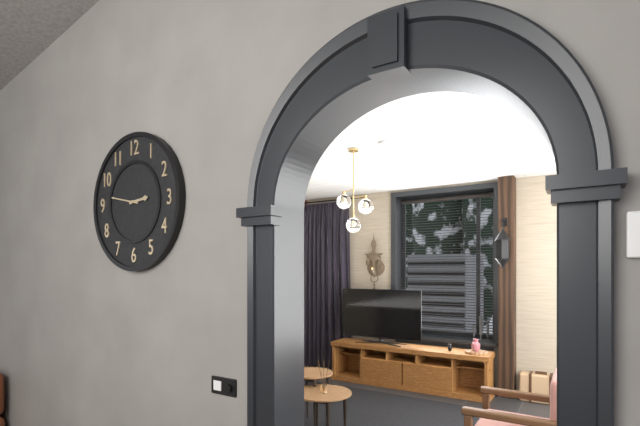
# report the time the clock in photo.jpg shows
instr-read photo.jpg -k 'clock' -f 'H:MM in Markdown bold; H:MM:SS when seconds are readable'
**2:47**
